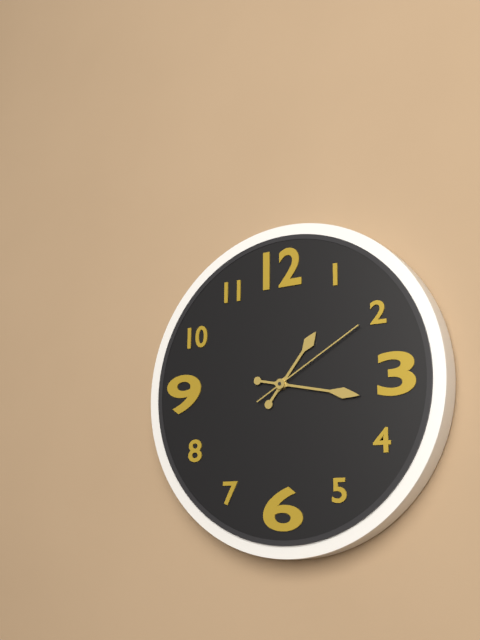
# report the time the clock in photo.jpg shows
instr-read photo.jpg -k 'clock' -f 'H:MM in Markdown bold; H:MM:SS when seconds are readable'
**1:17:10**
